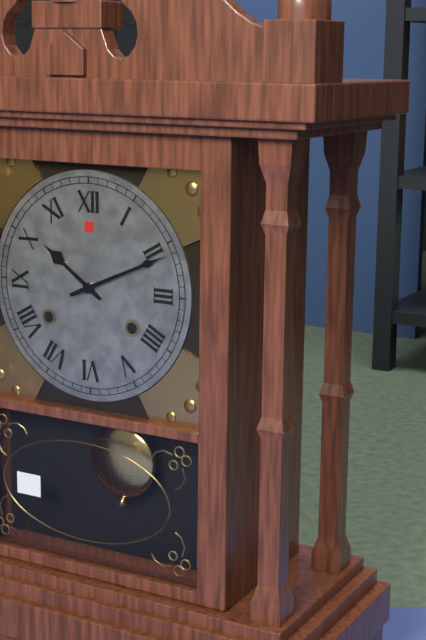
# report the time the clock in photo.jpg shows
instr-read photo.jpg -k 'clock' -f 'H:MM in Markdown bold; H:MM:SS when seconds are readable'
**10:11**
